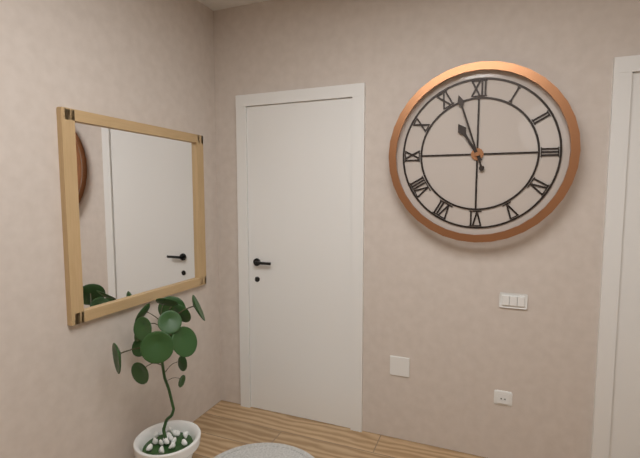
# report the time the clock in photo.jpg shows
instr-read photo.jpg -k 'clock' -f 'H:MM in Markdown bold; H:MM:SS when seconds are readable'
**10:57**
